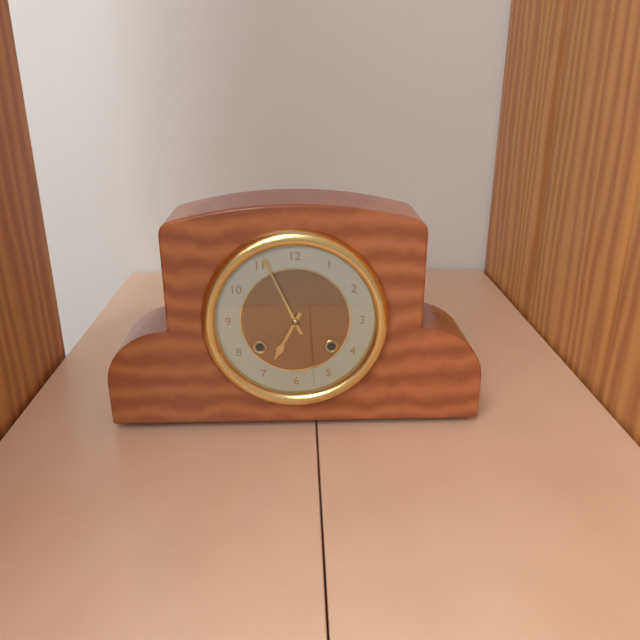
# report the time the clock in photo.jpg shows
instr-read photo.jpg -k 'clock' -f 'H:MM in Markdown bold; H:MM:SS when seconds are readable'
**6:56**
